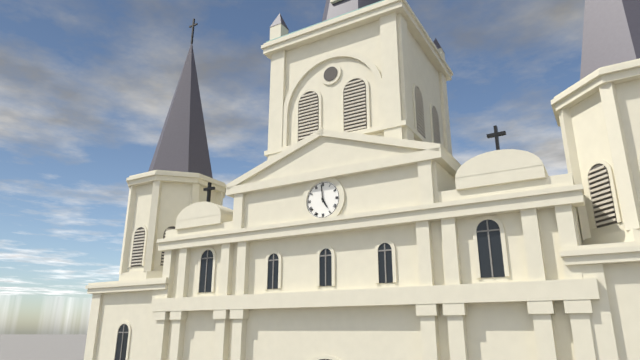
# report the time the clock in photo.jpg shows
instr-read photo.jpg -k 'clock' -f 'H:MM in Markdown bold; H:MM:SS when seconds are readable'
**4:59**
